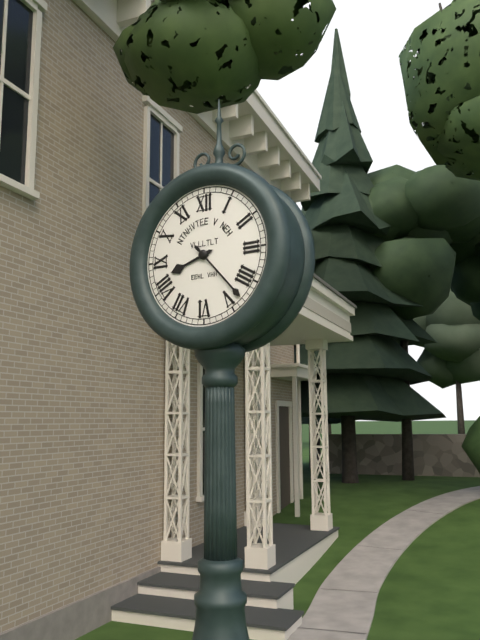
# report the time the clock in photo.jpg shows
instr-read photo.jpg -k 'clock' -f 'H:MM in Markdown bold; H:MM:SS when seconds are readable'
**8:23**
